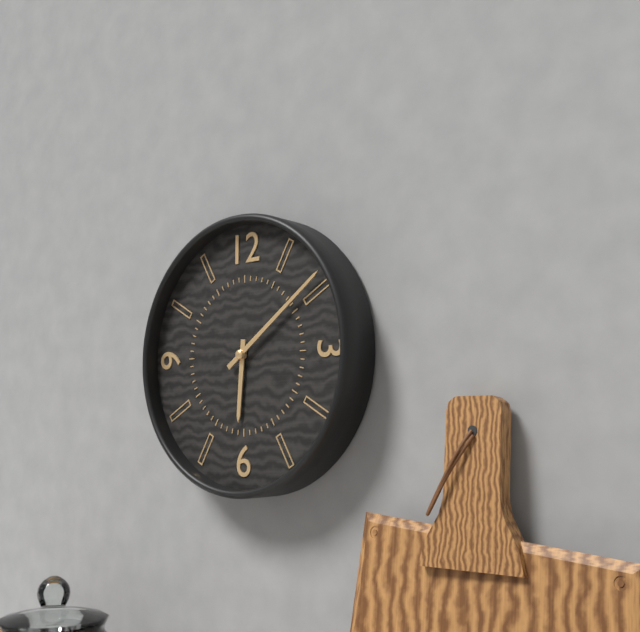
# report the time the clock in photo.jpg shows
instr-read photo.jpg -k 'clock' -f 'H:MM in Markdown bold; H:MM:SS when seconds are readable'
**6:09**
